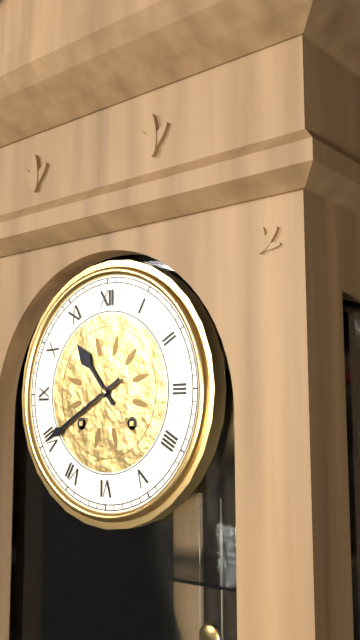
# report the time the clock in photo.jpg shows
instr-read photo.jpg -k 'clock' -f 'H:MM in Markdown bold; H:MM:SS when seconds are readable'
**10:40**
